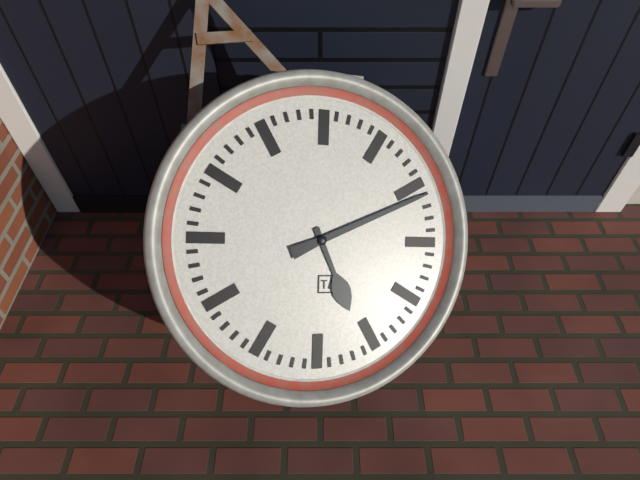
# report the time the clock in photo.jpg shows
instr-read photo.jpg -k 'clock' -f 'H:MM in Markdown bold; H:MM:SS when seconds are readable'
**5:11**
